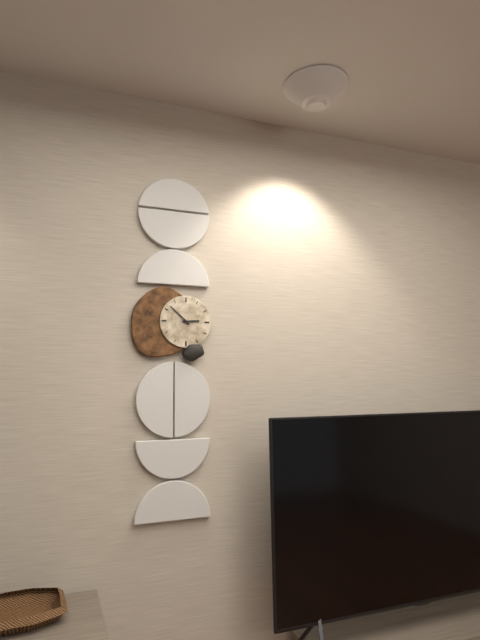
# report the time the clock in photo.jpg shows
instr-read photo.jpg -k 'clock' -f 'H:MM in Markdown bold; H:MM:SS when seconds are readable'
**2:52**
